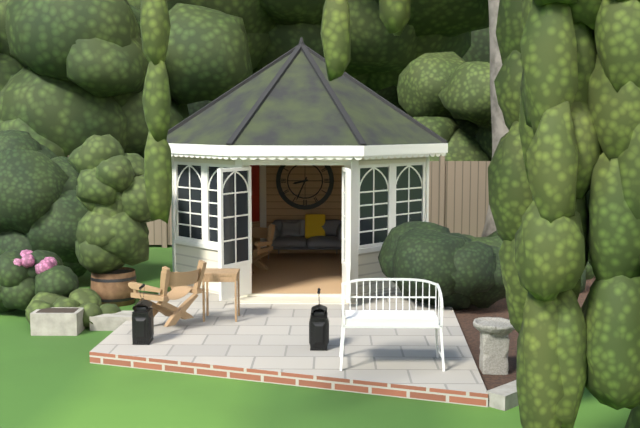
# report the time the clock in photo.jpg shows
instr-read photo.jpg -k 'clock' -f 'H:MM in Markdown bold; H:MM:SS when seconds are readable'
**8:34**
